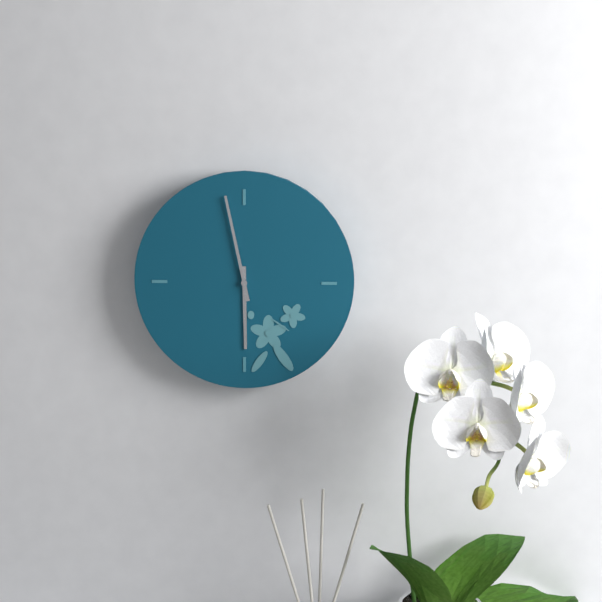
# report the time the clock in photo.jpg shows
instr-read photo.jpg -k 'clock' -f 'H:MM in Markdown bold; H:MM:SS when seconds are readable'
**5:58**
